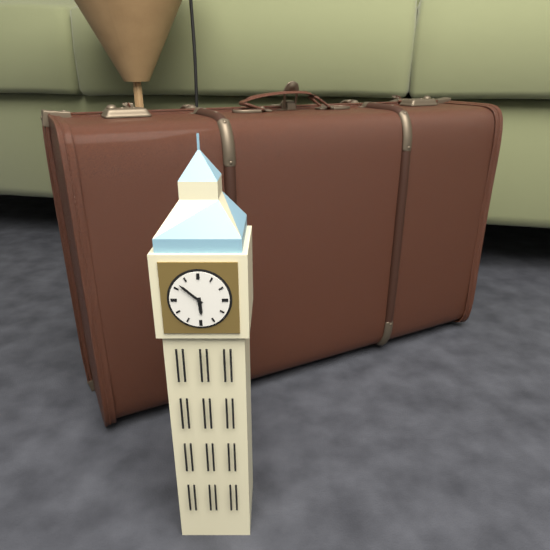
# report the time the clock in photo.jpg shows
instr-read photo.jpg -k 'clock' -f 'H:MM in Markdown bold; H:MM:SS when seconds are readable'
**5:52**
